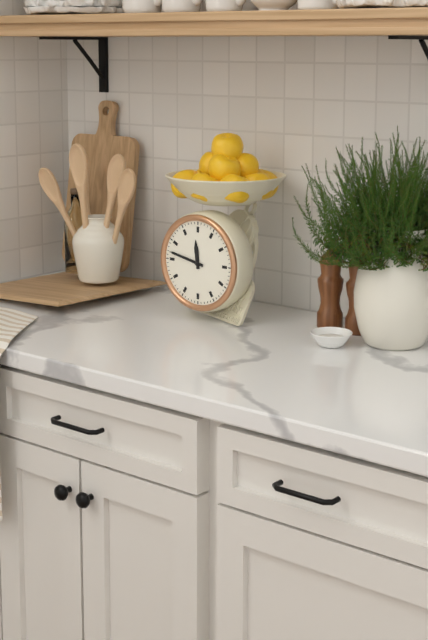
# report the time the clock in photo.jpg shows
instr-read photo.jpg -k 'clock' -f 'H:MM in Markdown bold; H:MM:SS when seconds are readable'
**11:47**
